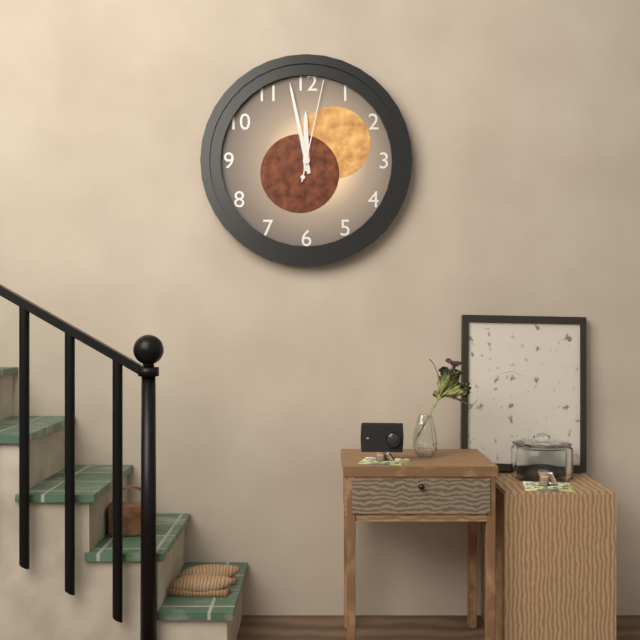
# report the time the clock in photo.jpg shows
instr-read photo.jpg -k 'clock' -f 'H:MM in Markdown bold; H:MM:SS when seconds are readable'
**11:58:02**
